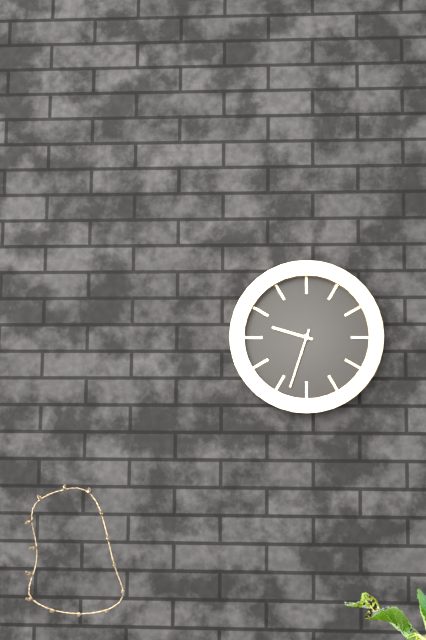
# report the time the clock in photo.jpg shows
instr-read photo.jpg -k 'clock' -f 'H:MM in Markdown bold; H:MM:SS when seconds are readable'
**9:33**
